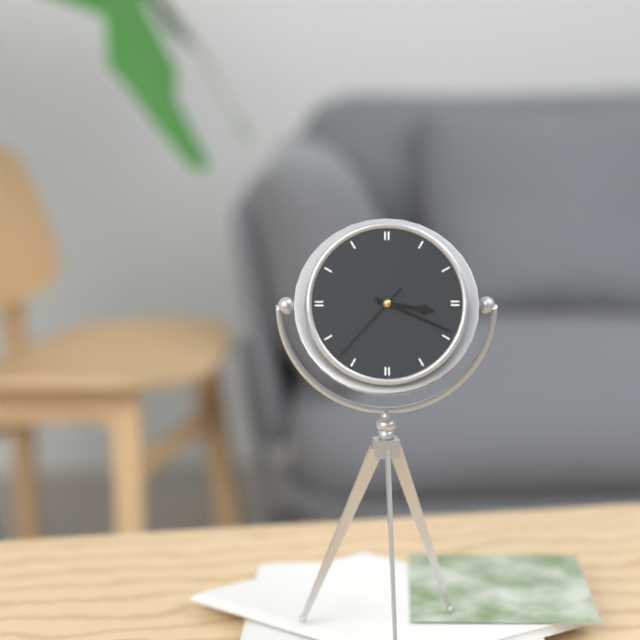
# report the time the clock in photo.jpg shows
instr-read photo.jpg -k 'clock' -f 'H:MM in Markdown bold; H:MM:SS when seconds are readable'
**3:19:37**
